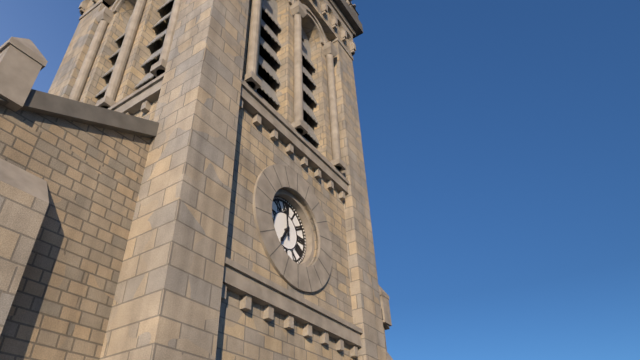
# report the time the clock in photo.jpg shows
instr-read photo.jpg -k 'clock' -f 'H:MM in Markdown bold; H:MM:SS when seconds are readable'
**6:59**
